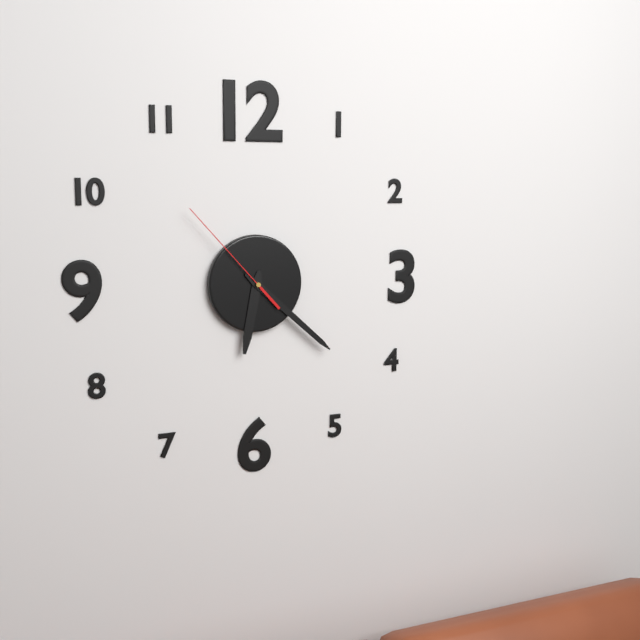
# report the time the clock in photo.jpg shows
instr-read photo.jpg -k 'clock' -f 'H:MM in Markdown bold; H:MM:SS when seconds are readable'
**6:22:53**
